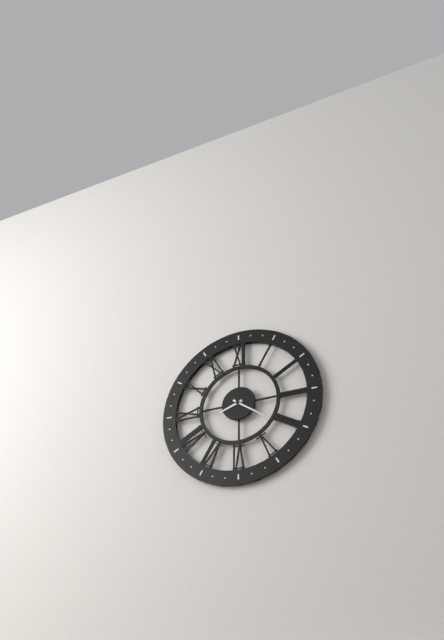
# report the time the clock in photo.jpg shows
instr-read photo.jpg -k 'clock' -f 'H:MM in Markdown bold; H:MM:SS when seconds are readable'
**8:21**
